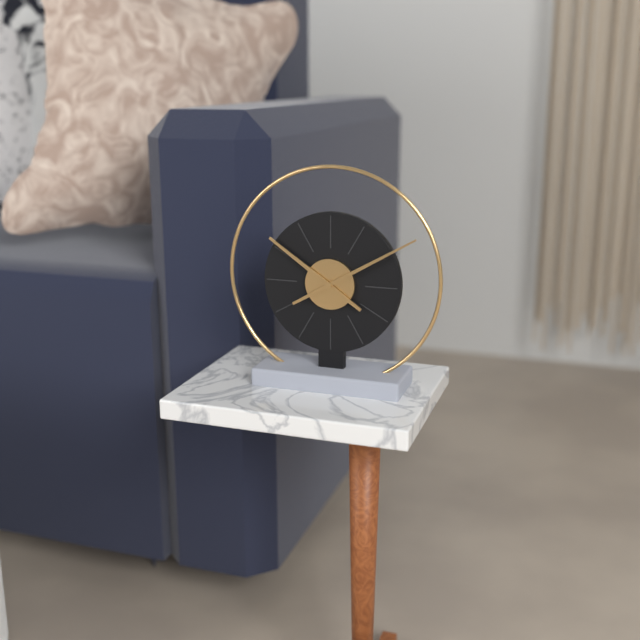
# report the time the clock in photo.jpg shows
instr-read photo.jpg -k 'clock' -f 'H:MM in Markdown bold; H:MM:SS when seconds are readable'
**10:10**
